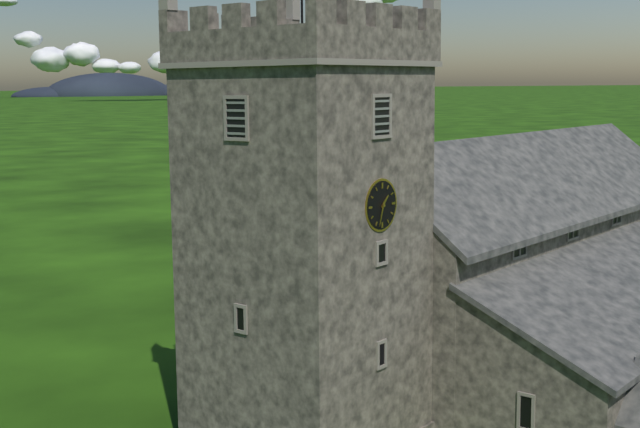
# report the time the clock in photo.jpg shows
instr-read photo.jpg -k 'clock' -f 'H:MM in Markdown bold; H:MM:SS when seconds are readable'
**1:33**
